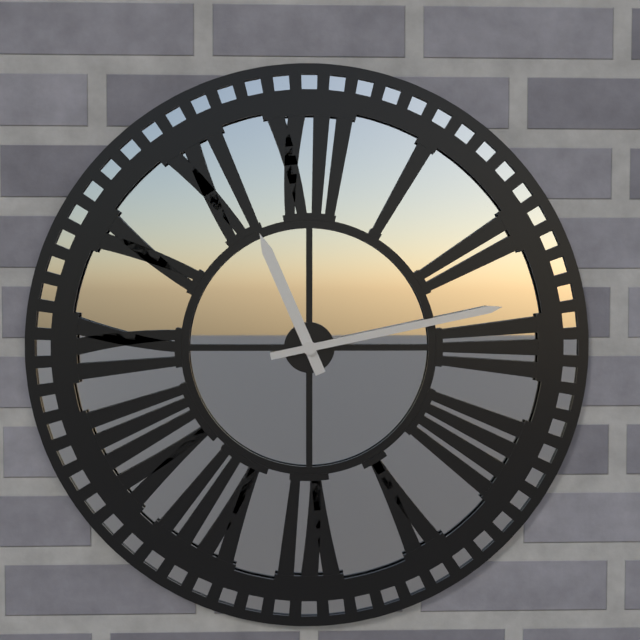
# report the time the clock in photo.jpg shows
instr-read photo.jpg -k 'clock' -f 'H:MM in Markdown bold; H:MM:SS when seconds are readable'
**11:13**
